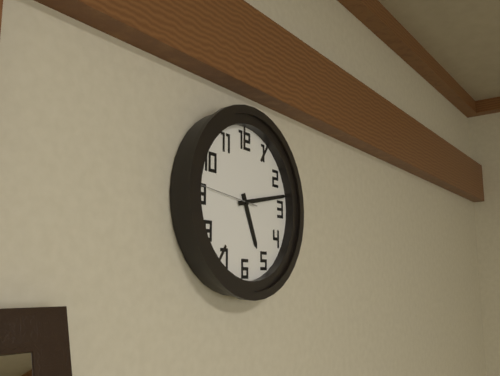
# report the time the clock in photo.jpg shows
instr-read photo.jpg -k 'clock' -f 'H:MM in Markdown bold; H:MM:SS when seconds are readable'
**5:13:46**
